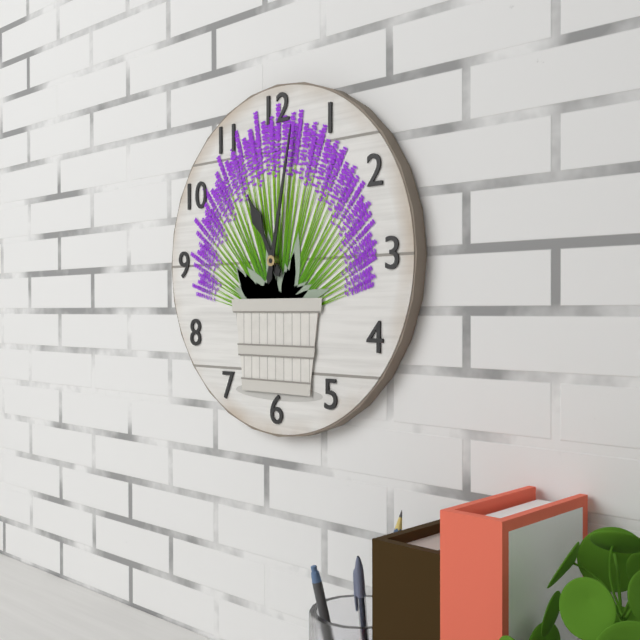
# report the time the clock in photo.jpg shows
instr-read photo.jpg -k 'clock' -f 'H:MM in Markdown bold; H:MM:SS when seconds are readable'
**11:02**
